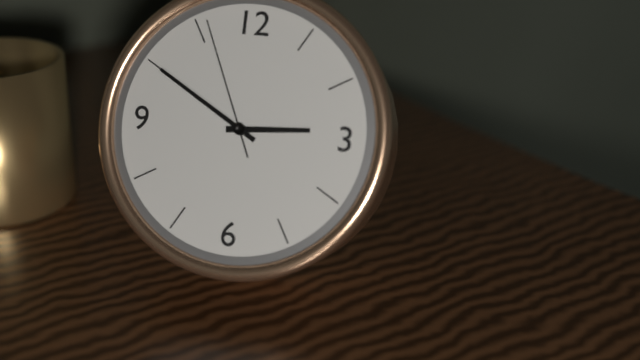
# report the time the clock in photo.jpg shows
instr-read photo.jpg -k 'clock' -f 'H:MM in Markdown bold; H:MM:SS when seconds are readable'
**2:50:56**
